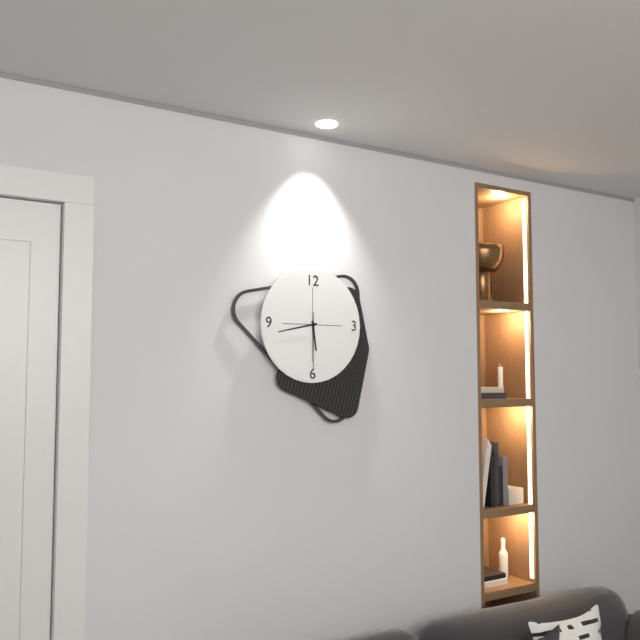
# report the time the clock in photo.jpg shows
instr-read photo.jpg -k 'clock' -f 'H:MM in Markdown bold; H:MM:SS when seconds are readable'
**5:43:30**
